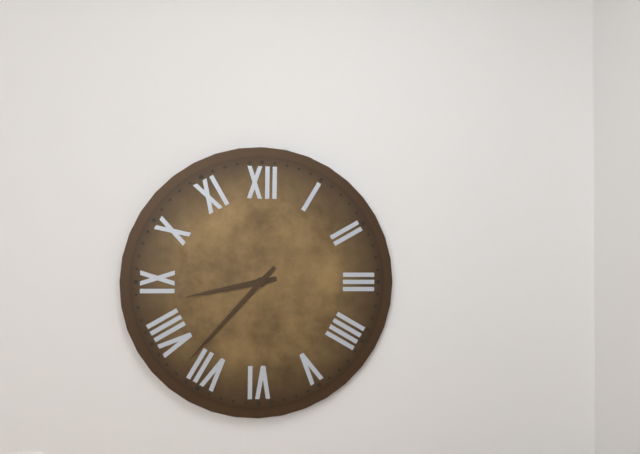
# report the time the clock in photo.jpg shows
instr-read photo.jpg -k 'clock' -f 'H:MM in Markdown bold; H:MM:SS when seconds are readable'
**8:37**
